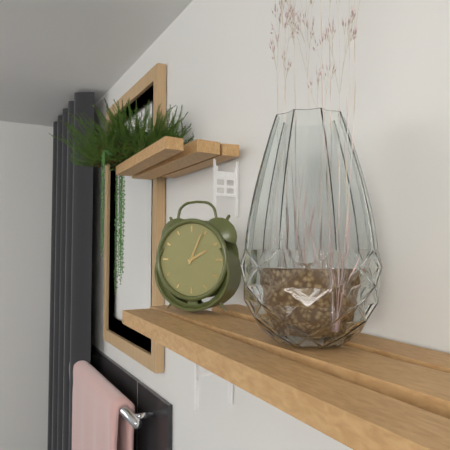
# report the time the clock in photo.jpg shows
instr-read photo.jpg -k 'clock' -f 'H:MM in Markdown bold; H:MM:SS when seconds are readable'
**2:04**
